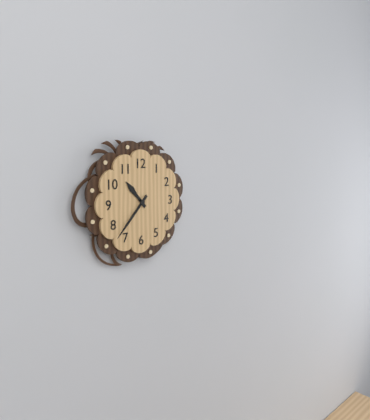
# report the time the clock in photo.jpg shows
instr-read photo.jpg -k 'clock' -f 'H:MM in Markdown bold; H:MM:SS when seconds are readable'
**10:37**
